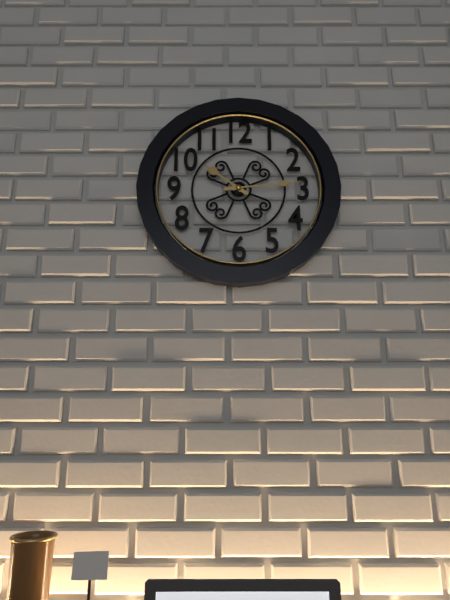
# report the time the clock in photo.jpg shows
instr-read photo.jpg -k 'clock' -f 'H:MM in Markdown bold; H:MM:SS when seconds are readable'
**10:14**
